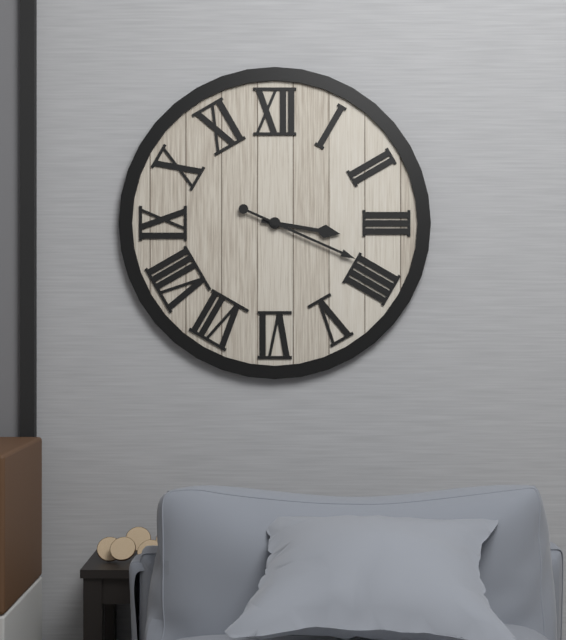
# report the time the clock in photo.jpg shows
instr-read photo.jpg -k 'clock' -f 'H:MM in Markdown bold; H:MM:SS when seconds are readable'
**3:19**
